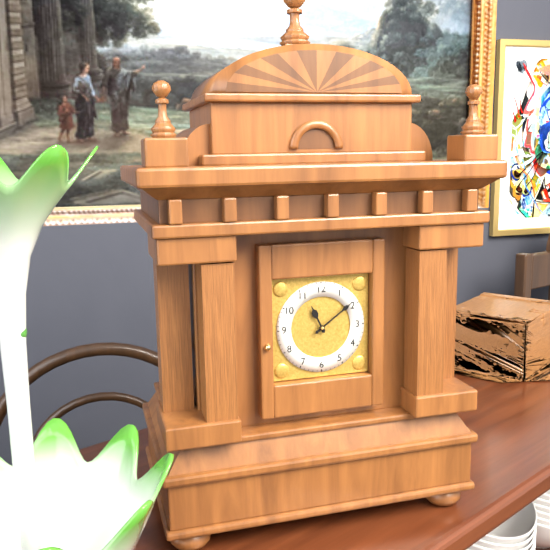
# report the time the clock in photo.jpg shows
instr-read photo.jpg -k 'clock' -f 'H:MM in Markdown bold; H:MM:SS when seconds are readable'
**11:09**
